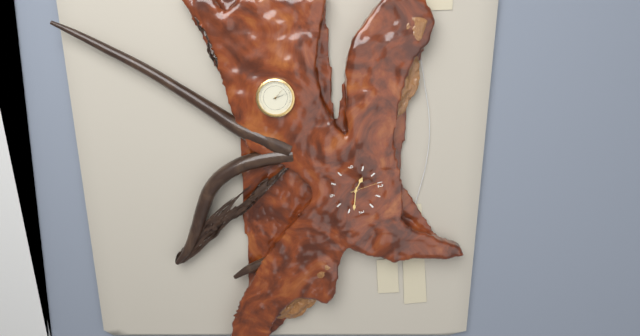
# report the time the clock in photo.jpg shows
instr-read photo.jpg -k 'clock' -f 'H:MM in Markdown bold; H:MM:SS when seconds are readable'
**10:18**
